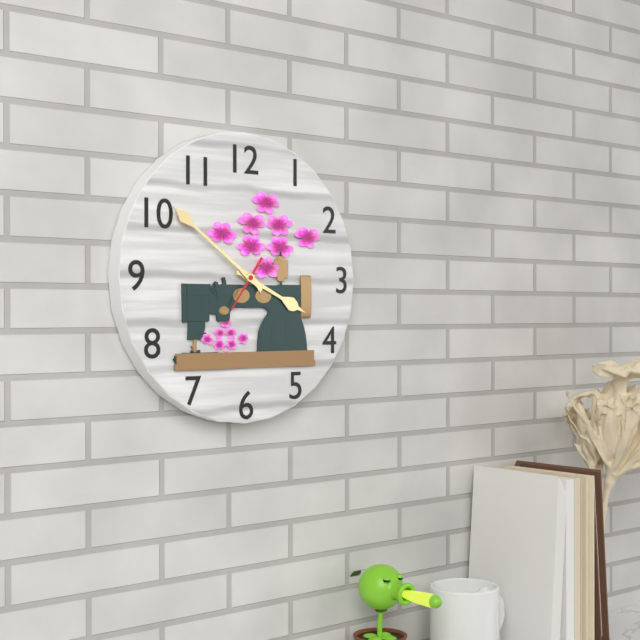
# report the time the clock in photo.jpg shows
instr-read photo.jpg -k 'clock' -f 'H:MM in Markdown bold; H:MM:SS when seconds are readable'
**3:51**
